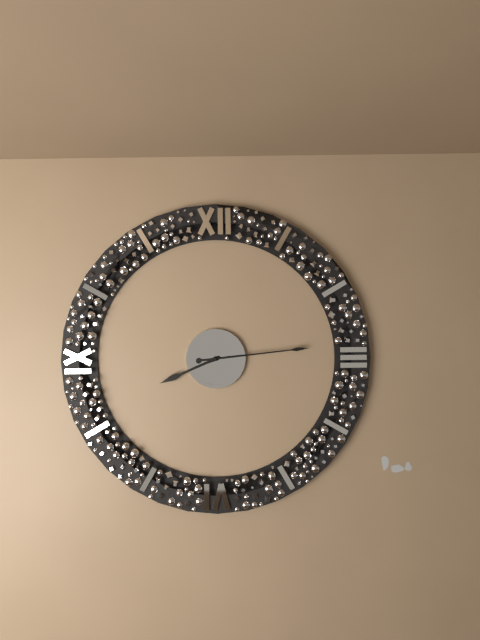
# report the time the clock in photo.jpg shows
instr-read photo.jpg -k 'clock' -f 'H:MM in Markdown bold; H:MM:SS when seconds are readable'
**8:14**
